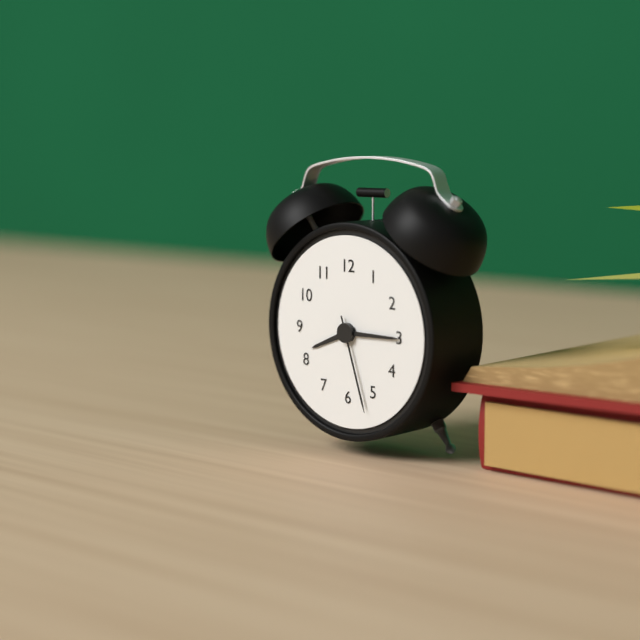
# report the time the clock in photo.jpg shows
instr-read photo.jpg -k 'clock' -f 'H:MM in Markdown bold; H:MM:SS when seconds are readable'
**8:15:27**
